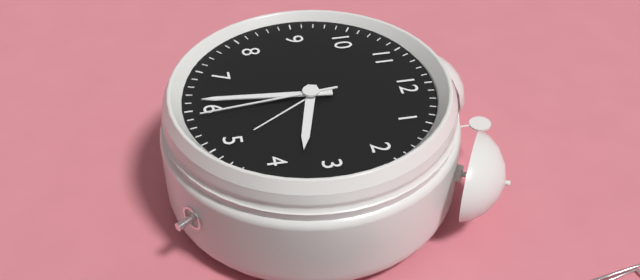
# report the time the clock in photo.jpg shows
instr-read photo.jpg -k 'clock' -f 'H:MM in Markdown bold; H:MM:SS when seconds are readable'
**3:31:29**
